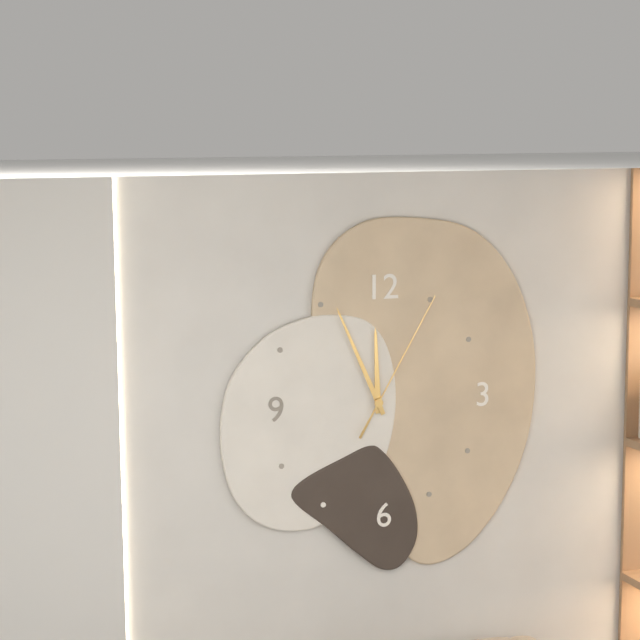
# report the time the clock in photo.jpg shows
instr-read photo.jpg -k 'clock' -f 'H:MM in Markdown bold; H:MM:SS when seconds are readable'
**11:56:05**
